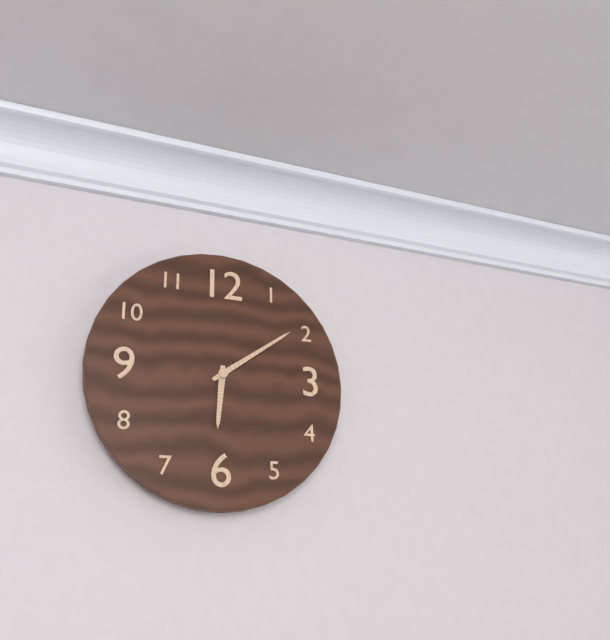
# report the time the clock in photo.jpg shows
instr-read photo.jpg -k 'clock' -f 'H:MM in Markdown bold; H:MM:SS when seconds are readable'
**6:09**
